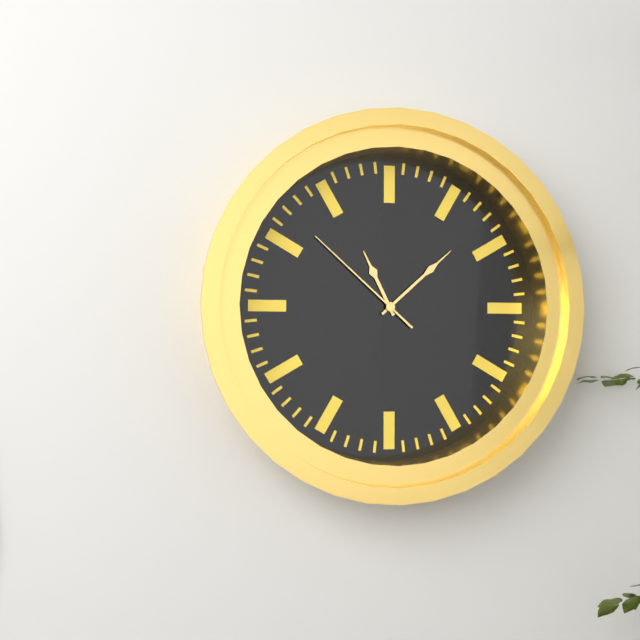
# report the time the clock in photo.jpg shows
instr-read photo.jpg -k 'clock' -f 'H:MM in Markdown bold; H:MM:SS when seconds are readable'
**11:08:52**
